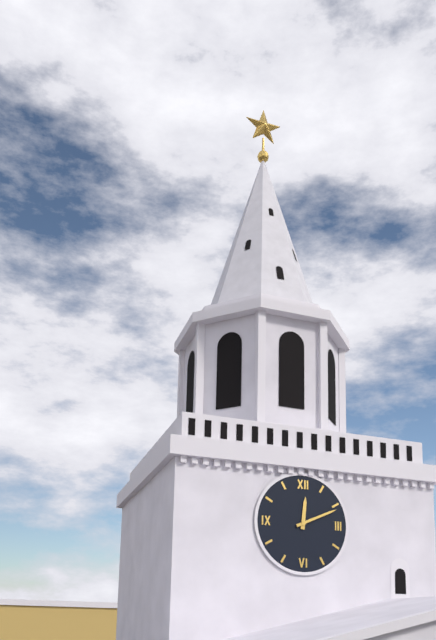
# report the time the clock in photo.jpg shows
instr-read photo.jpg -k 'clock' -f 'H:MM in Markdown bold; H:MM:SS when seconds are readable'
**12:11**
